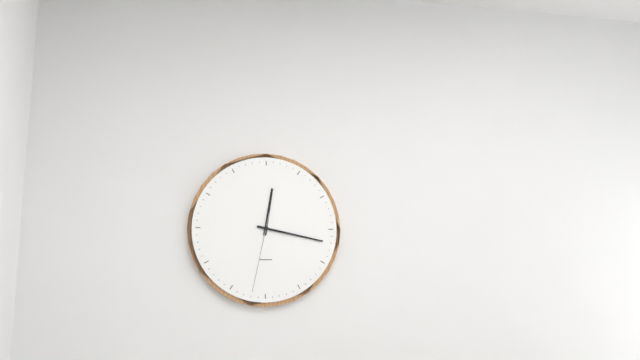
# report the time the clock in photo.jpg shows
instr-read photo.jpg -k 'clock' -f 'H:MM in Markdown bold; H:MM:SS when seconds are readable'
**12:17:32**
